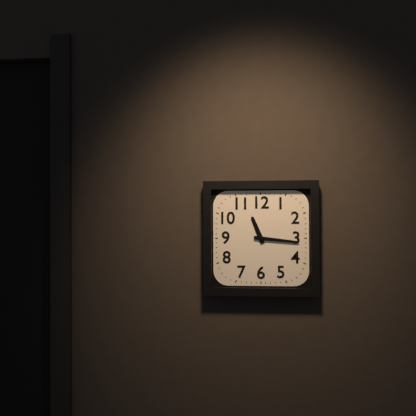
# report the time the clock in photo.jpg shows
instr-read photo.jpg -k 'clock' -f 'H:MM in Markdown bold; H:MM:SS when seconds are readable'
**11:16**
